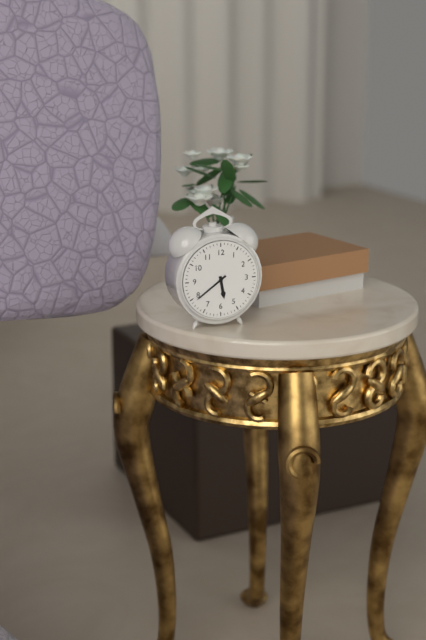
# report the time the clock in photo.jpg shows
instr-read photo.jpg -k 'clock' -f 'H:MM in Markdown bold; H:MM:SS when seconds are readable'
**5:39**
